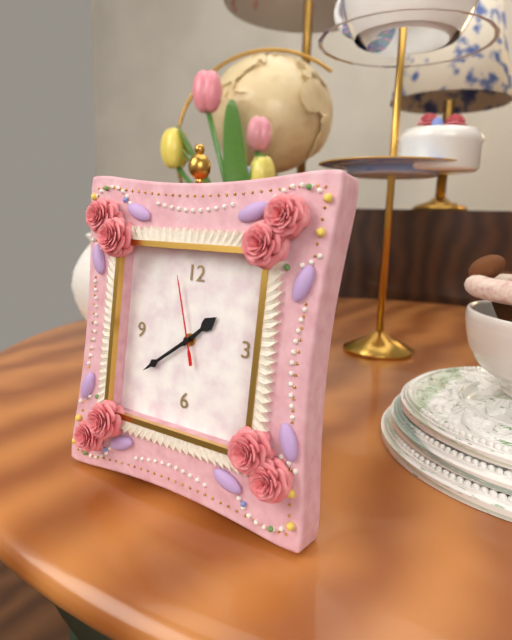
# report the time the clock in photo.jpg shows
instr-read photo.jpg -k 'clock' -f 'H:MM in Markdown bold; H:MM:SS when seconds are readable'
**1:39:57**
